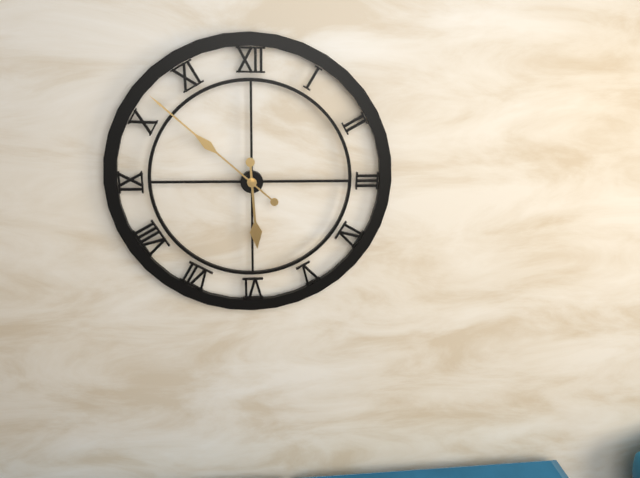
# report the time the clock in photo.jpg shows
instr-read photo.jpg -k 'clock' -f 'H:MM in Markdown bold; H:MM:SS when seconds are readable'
**5:52**
